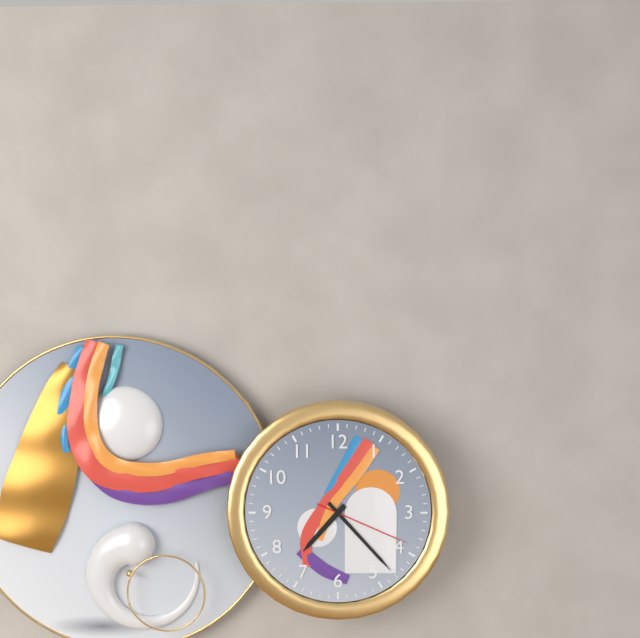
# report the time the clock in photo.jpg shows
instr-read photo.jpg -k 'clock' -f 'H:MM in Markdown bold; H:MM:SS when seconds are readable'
**7:23:19**
